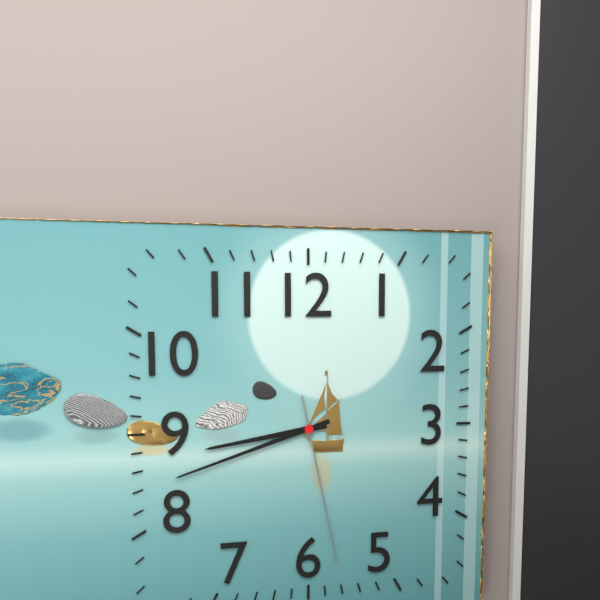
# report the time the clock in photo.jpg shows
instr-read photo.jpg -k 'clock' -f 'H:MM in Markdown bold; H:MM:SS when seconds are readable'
**8:42:28**
